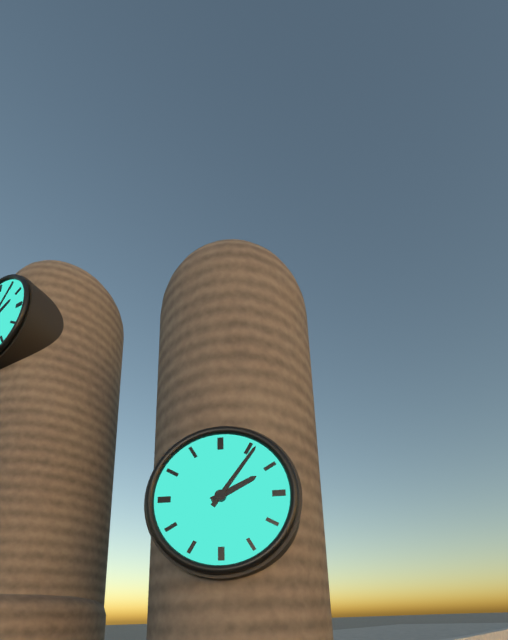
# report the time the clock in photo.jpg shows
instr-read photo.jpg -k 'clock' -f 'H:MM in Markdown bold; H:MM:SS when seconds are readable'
**2:06**
